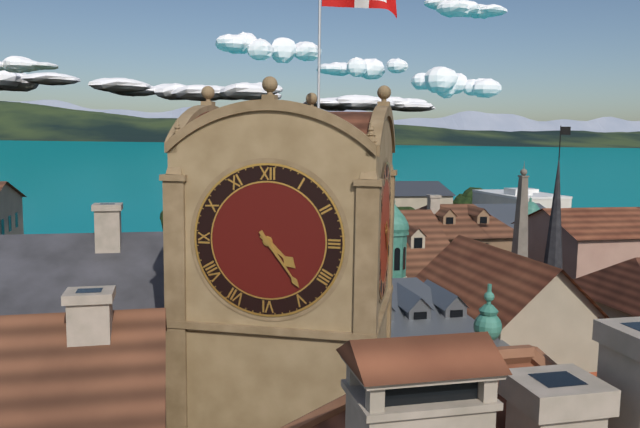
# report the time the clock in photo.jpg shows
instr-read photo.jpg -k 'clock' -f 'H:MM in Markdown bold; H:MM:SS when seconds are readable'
**4:24**
